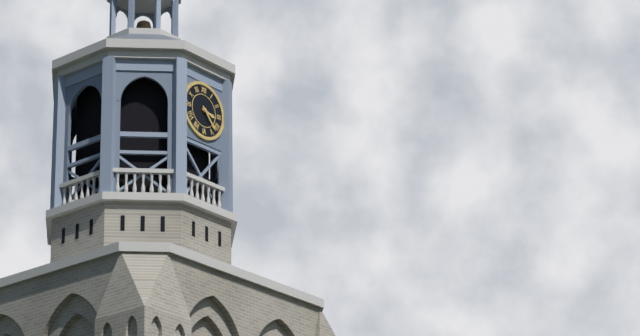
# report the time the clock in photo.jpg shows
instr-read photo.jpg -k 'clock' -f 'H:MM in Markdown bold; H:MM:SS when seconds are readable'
**3:23**
